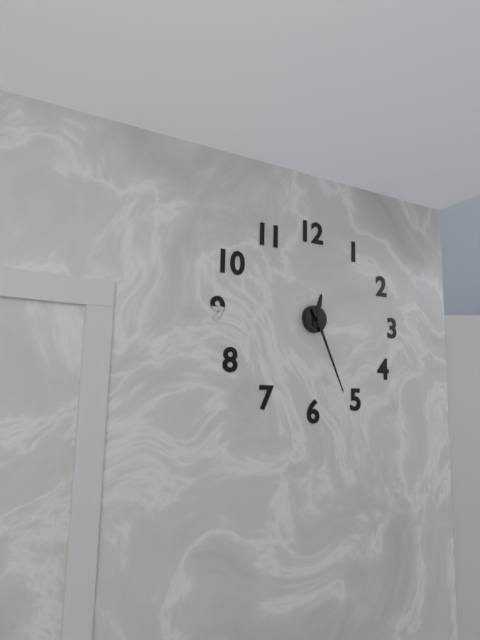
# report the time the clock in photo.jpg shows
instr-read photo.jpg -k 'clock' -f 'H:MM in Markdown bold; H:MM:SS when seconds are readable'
**12:26**
